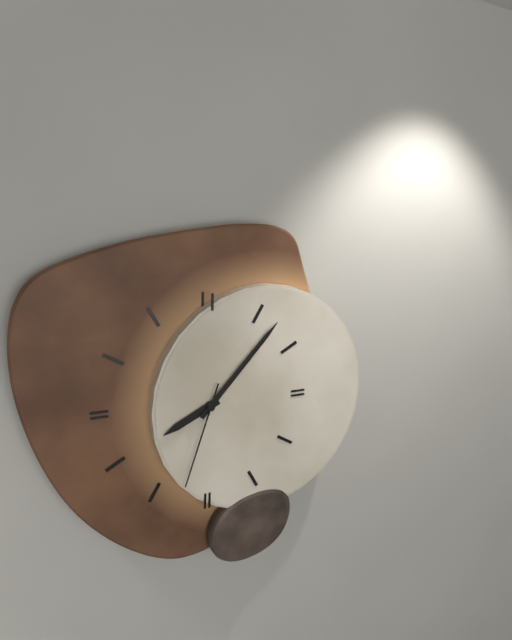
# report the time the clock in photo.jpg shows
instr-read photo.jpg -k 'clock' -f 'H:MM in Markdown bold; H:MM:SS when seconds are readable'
**8:07:33**
